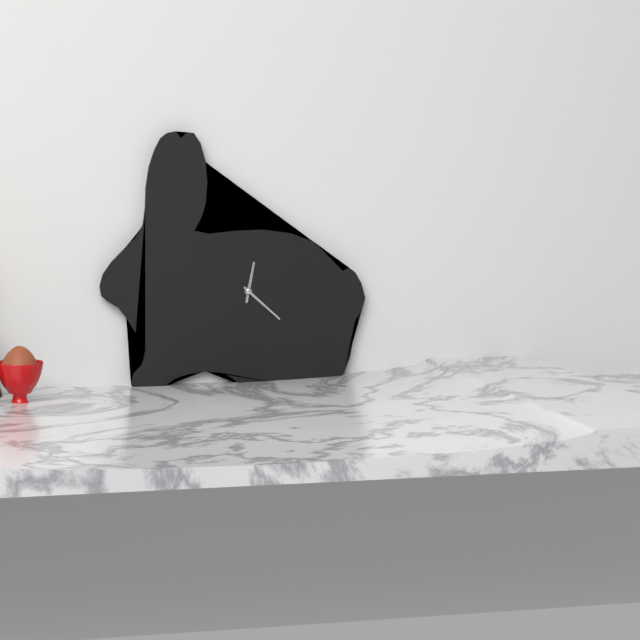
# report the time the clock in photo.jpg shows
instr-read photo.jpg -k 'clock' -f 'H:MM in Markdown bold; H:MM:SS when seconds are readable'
**12:22**
